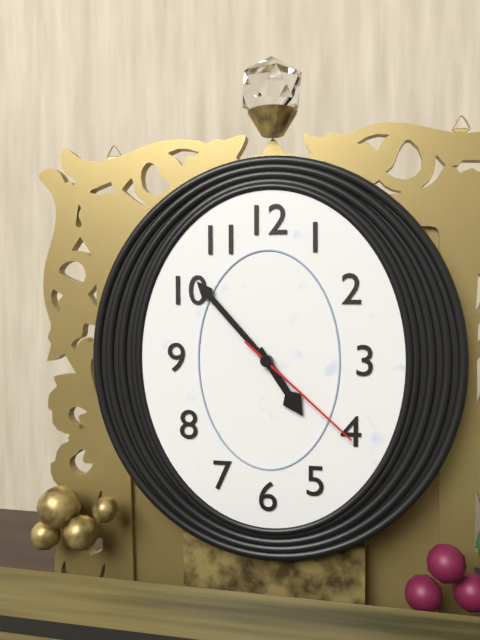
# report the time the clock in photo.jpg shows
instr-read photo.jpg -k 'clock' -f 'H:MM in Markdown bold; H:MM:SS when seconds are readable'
**4:53:22**
